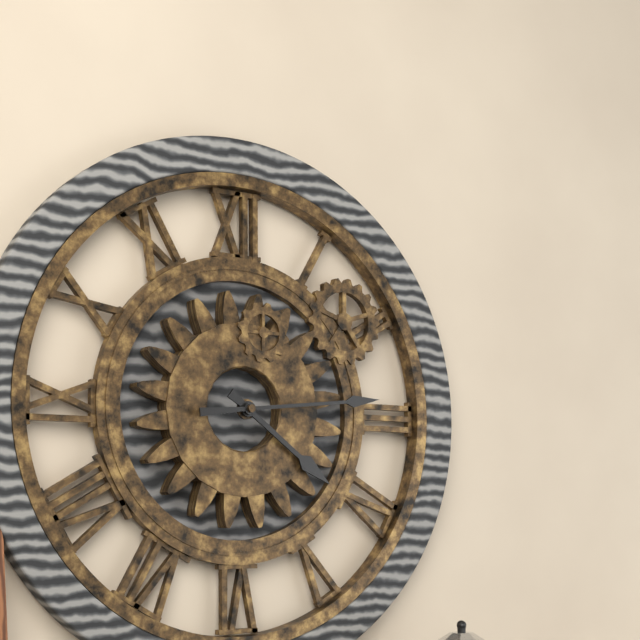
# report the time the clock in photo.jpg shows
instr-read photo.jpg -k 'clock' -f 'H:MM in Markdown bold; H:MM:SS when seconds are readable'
**4:14**
